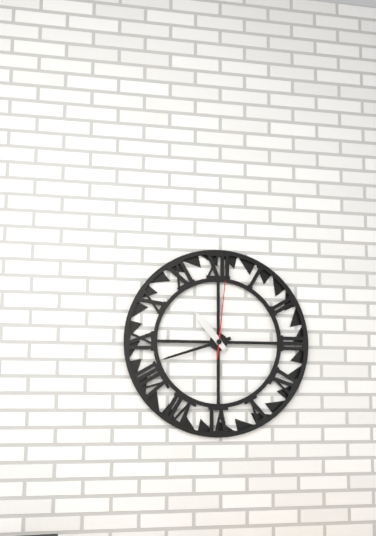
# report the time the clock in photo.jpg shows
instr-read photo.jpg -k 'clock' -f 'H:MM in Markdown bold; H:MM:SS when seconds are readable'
**10:42:01**
